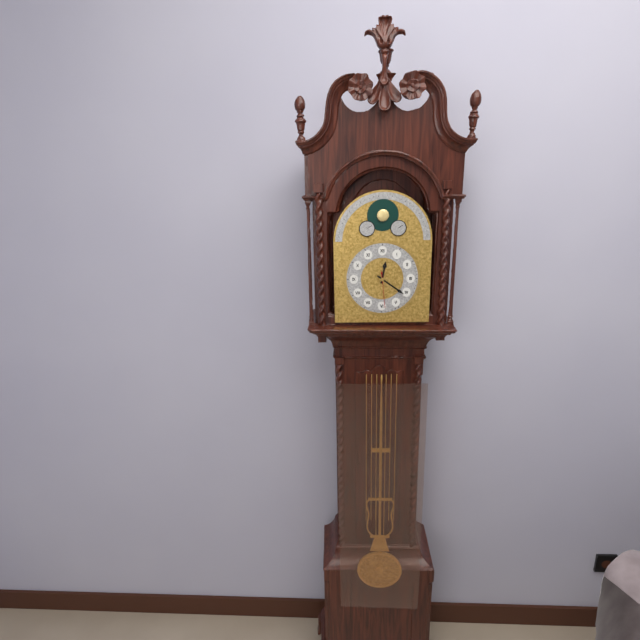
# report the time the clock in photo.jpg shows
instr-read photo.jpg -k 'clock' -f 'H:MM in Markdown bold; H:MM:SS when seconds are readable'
**12:21**
